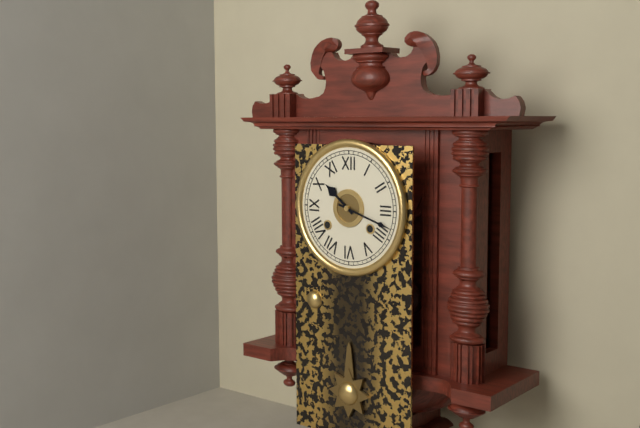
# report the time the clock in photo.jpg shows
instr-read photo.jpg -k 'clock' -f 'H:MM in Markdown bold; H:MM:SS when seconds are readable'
**10:18**
